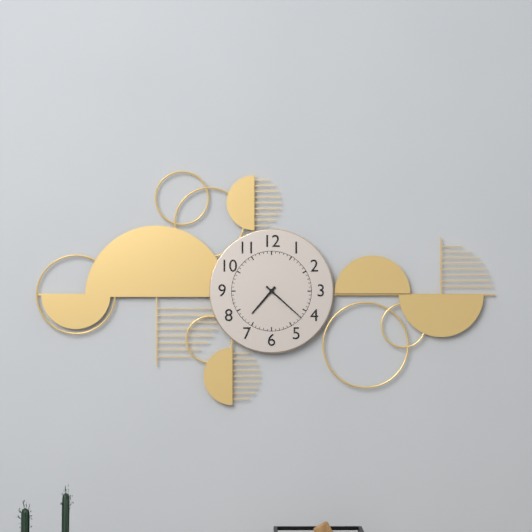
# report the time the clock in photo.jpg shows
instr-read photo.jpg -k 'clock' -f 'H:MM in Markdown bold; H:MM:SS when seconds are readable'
**7:22**
